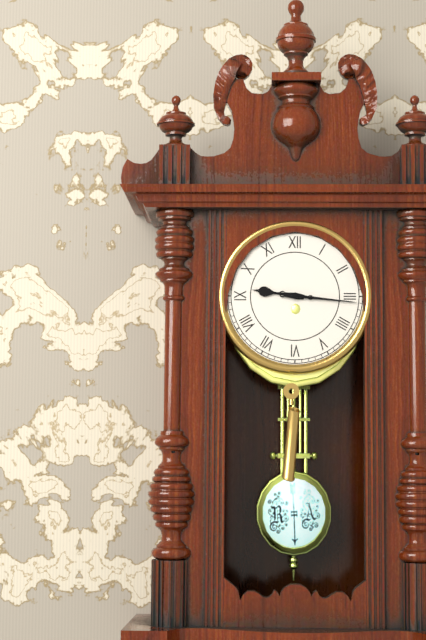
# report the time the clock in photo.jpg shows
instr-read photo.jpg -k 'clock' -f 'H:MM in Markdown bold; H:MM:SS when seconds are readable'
**9:16**
